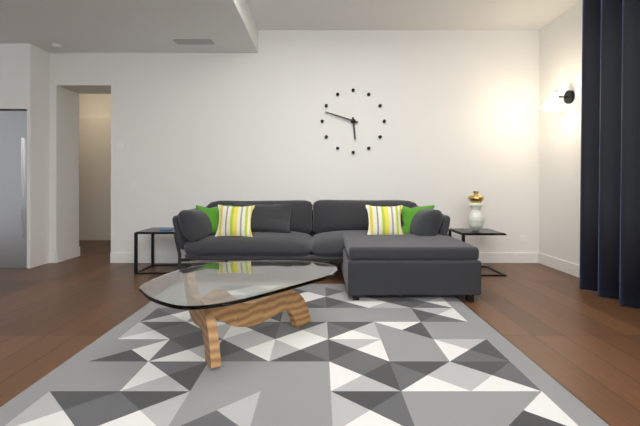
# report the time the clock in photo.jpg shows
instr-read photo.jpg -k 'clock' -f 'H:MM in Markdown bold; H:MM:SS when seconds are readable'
**5:48**
